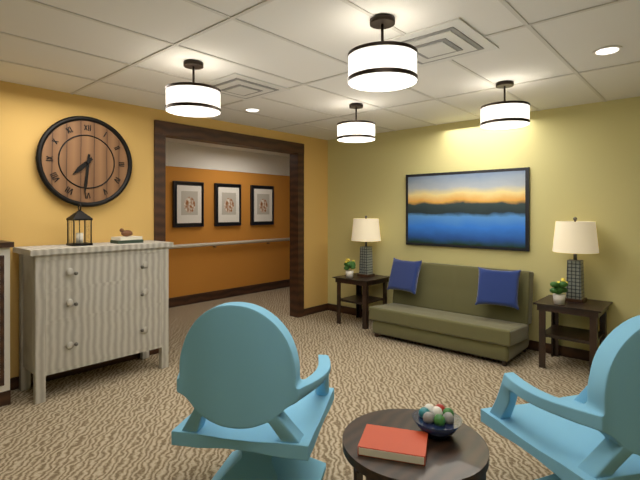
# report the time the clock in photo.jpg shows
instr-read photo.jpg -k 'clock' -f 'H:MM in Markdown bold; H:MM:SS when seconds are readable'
**7:31**
